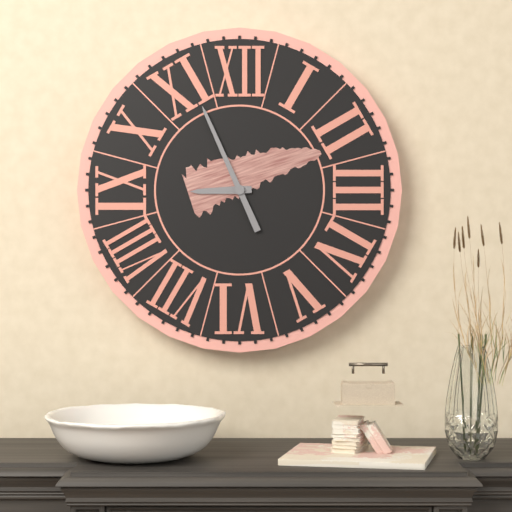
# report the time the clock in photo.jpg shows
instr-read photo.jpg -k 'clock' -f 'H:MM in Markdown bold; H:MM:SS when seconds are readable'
**8:56**
